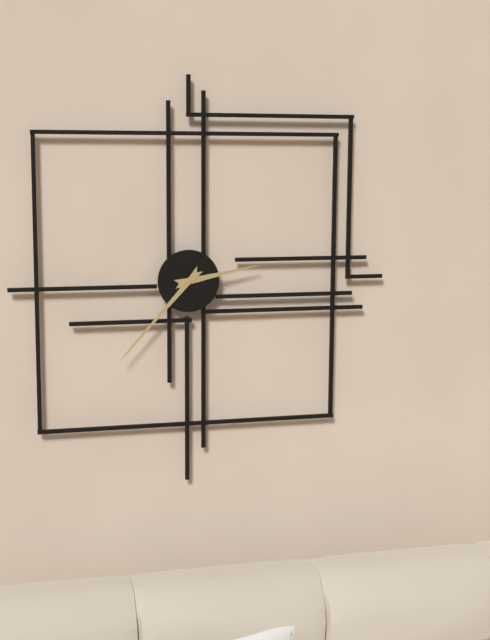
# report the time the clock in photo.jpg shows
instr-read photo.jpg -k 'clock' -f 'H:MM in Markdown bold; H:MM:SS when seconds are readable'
**2:37**
